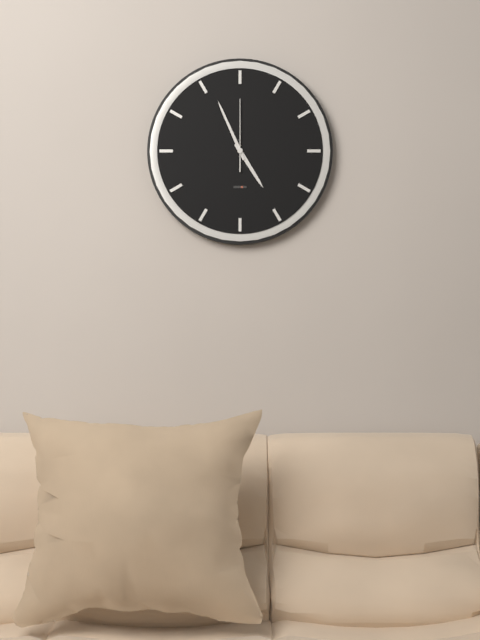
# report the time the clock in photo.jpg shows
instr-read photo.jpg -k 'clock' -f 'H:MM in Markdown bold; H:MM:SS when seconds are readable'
**4:56:00**
